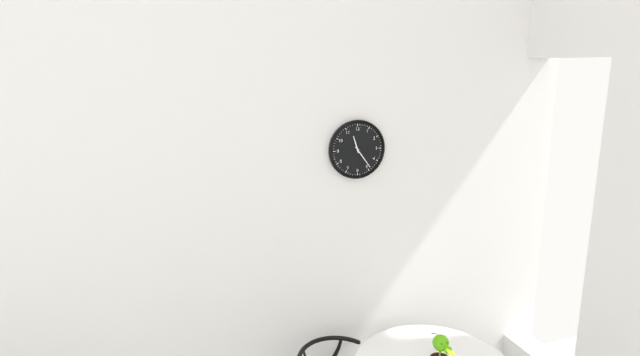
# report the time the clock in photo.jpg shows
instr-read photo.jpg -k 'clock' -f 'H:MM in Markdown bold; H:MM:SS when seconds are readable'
**11:24**
